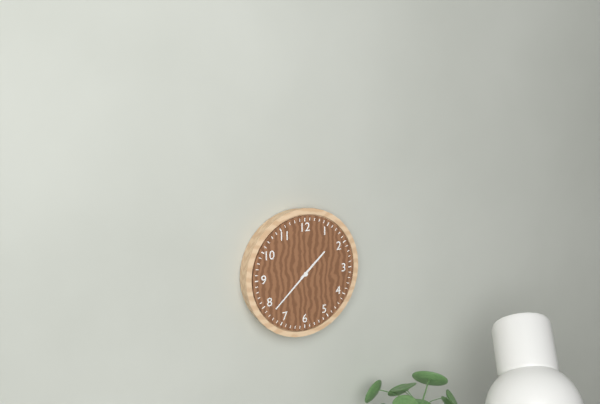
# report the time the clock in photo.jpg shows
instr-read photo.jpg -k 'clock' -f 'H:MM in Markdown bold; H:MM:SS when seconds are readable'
**1:38**
